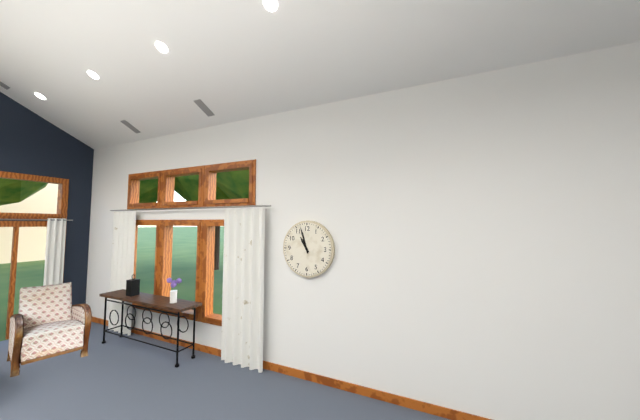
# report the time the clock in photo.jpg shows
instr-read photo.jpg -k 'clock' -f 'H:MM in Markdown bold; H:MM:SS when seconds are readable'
**10:57**
